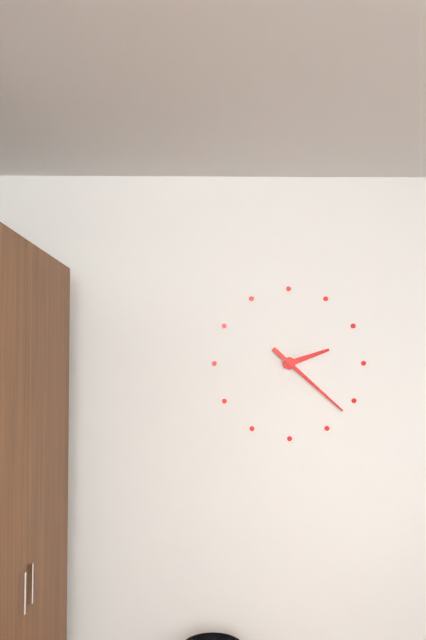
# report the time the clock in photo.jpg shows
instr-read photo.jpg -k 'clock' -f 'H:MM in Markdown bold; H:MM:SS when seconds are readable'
**2:22**
